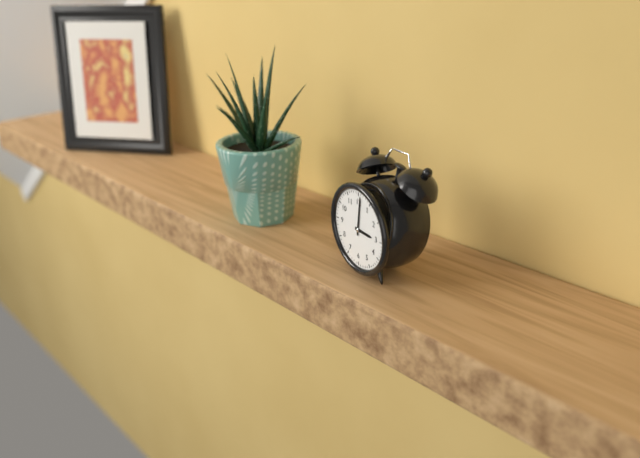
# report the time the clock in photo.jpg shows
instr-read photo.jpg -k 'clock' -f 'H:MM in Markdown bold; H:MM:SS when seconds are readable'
**3:01**
